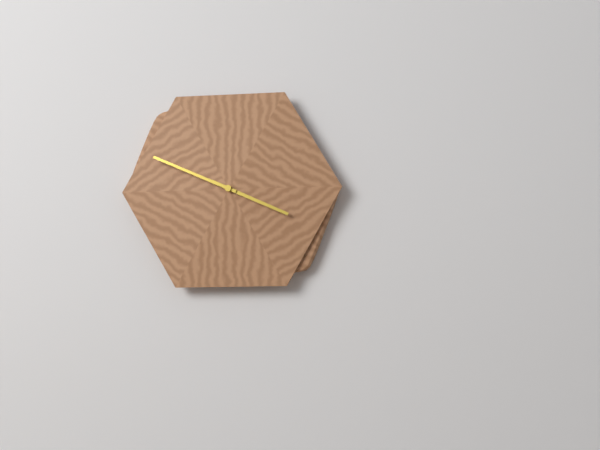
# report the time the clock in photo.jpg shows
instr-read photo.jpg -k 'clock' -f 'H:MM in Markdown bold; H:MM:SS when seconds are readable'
**3:49**
